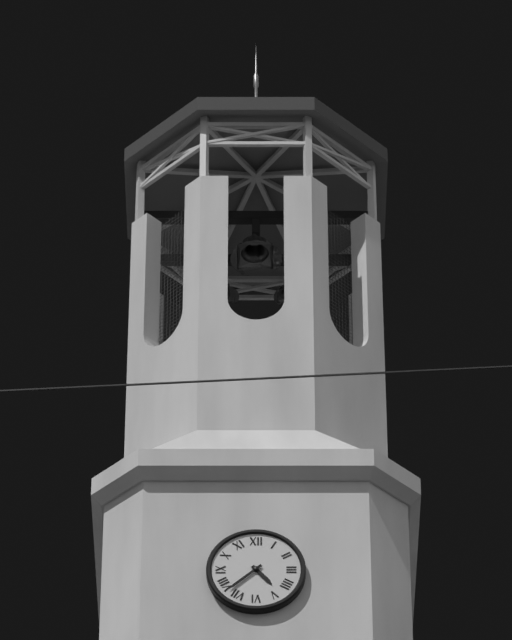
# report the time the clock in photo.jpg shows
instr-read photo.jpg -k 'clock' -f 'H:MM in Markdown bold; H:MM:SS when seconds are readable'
**4:38**
